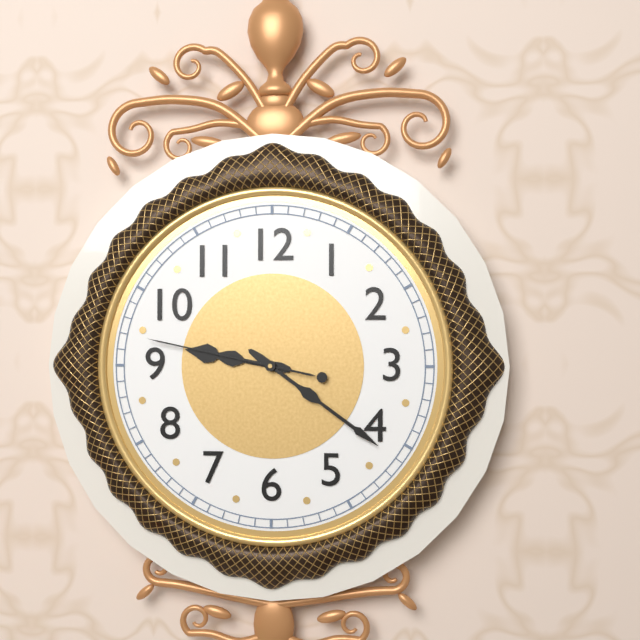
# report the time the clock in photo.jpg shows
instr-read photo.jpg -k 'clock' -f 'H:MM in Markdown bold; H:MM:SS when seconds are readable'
**9:21:47**
